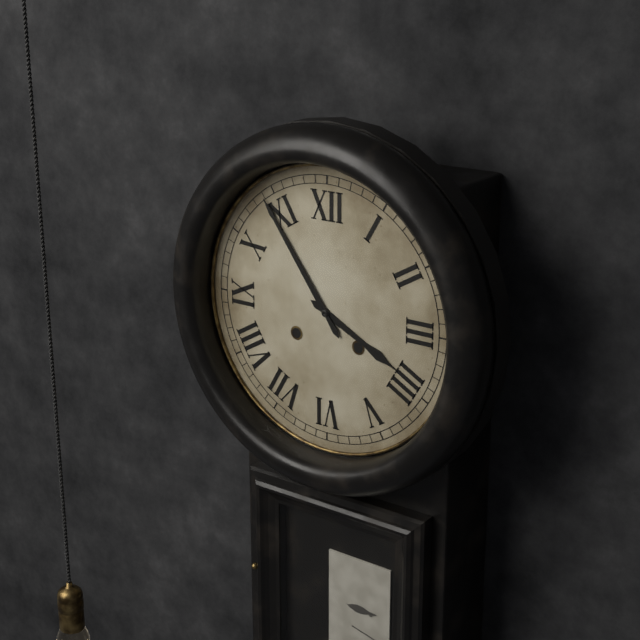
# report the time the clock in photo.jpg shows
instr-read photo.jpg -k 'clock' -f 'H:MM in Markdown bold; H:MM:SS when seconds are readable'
**3:54**
